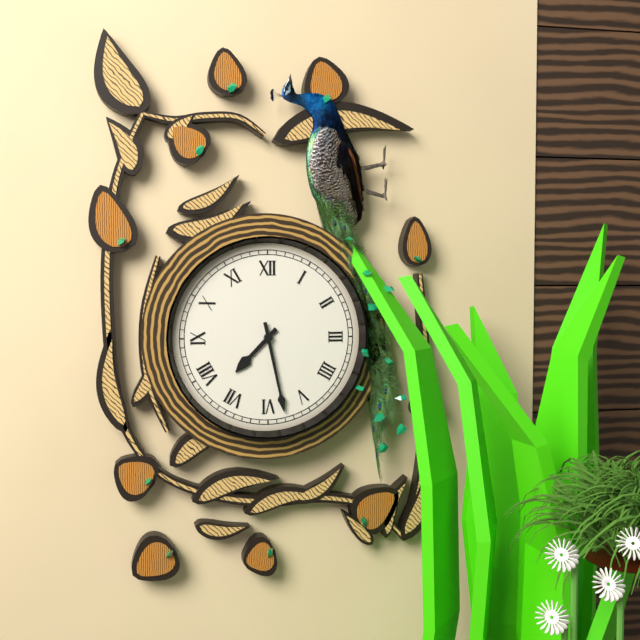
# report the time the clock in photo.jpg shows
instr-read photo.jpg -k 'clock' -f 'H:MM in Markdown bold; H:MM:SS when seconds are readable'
**7:28**
